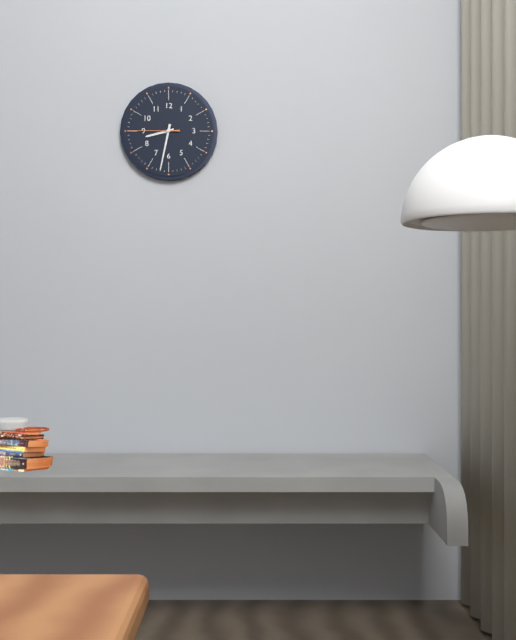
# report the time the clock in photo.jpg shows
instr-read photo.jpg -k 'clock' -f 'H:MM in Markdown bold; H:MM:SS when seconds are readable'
**8:32:45**
